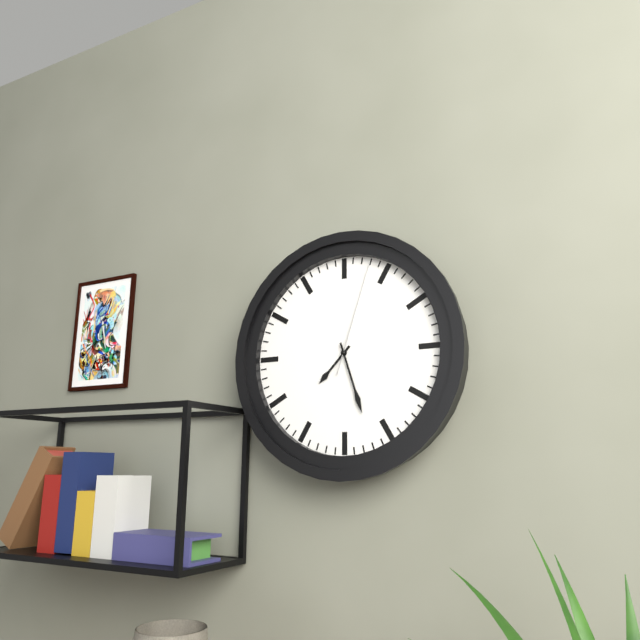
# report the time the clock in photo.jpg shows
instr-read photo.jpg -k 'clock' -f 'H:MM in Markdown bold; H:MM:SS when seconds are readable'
**7:27:03**
